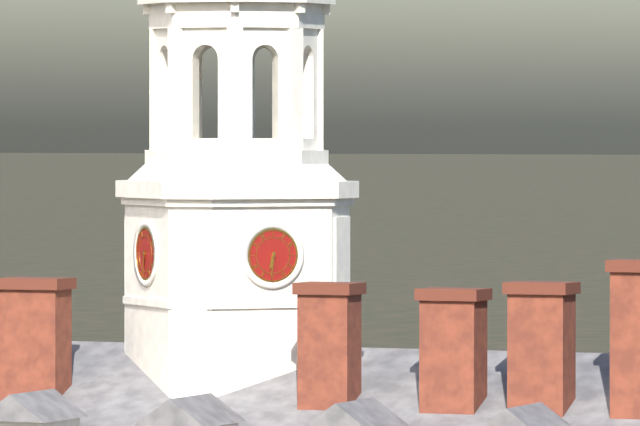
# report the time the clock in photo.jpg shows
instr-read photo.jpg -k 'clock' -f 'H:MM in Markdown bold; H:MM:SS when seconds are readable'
**6:31**
